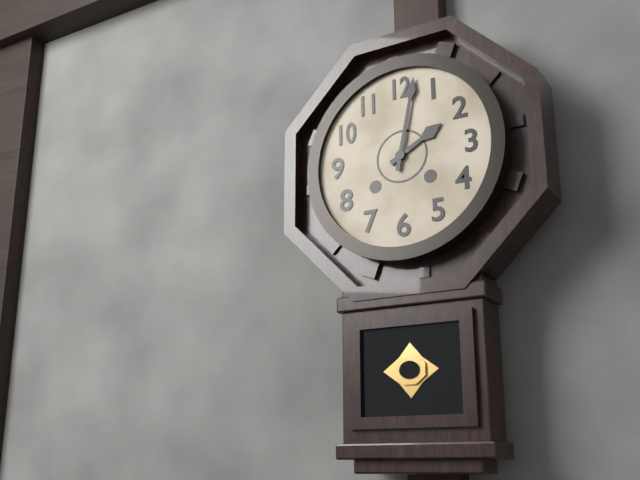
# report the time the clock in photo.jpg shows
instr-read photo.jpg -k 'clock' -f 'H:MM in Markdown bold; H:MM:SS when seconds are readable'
**2:02**
